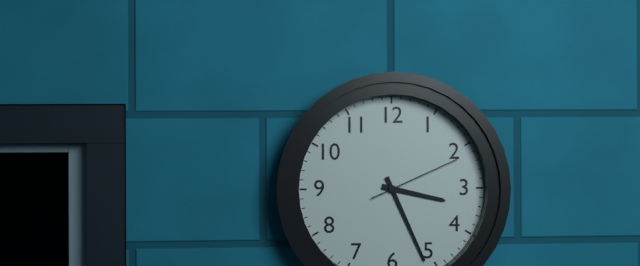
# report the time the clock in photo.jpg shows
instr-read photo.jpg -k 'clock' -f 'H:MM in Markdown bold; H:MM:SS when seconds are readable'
**3:26:11**
